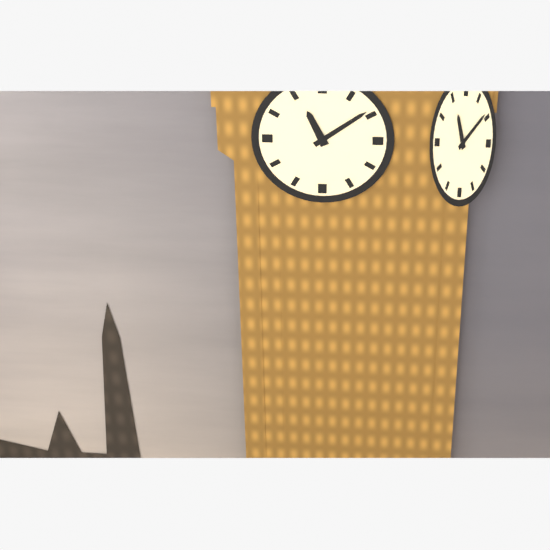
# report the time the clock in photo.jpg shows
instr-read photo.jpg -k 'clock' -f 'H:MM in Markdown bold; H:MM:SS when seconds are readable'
**11:09**
